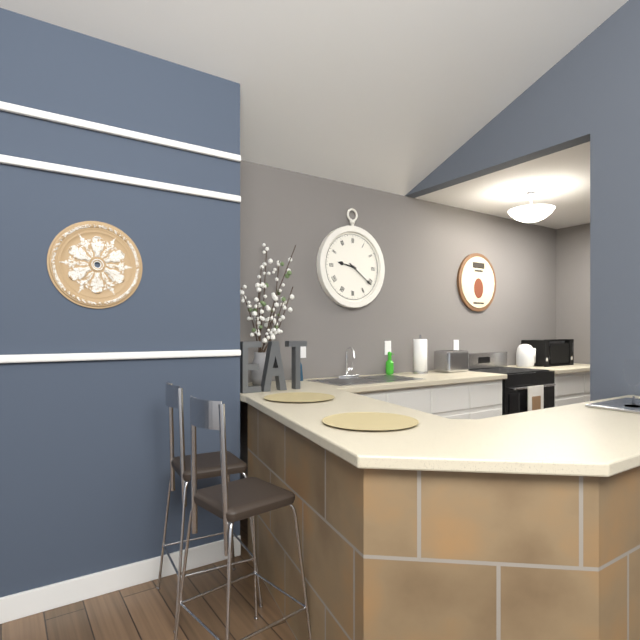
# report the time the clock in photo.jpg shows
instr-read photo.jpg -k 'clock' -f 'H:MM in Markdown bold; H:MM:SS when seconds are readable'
**9:21**
